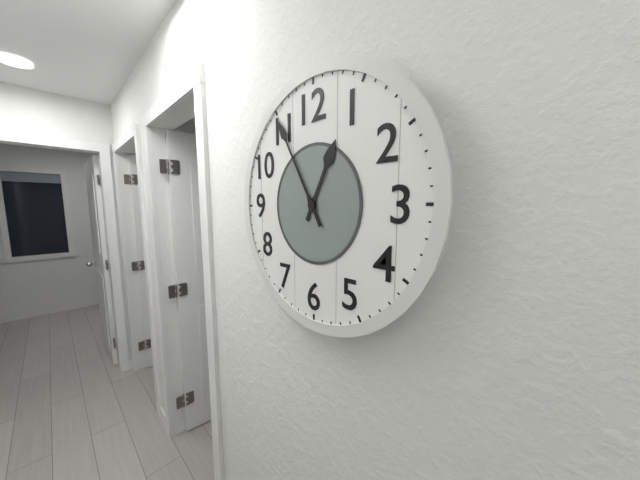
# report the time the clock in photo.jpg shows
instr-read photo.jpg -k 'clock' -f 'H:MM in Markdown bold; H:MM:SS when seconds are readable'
**12:55**
